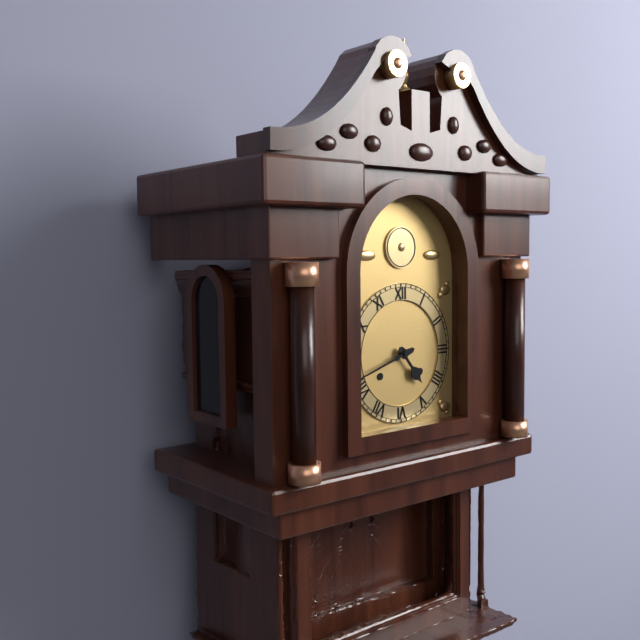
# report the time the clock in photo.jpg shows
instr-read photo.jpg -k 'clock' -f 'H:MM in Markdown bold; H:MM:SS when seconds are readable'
**4:42**
